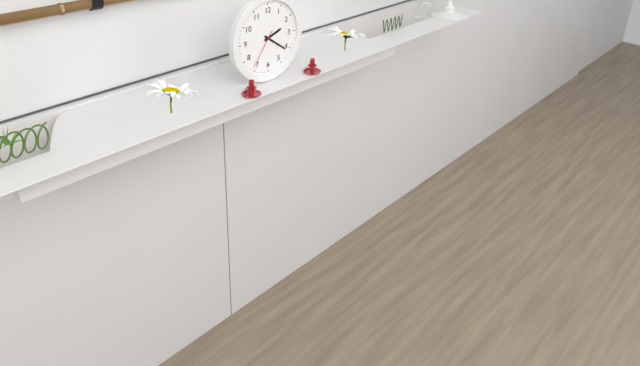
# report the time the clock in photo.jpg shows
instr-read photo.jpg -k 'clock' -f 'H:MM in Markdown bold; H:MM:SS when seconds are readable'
**2:21**
